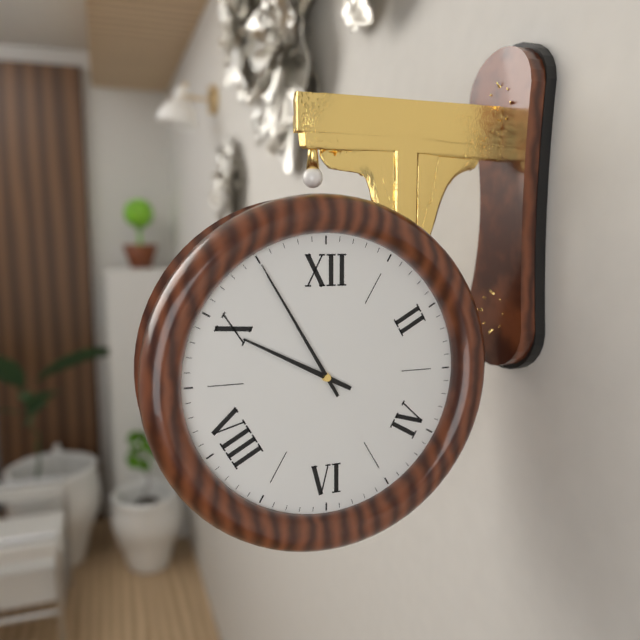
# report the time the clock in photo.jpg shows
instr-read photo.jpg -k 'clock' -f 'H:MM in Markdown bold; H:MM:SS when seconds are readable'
**9:55**
